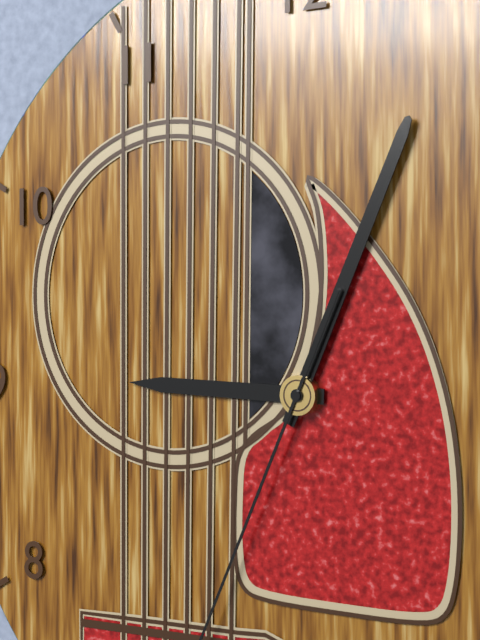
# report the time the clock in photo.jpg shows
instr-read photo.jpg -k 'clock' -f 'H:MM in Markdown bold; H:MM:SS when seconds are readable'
**9:04**
